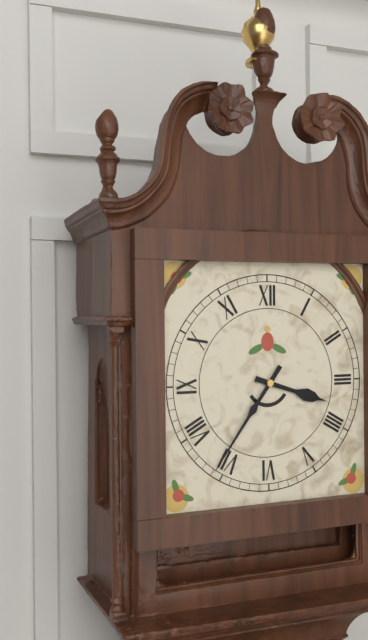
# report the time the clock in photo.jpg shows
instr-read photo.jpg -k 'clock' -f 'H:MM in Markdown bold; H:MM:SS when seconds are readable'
**3:36**
